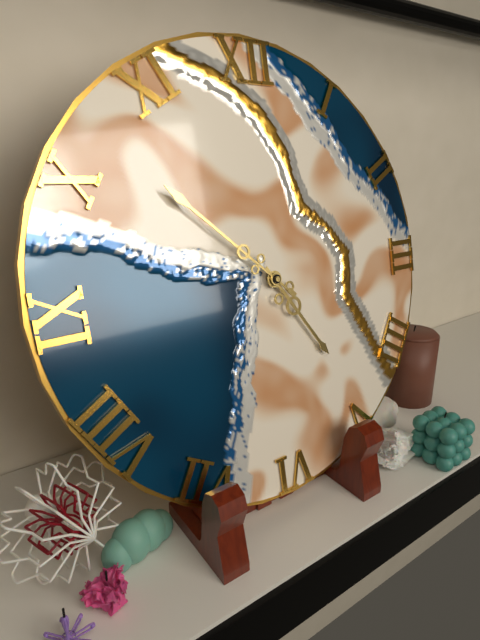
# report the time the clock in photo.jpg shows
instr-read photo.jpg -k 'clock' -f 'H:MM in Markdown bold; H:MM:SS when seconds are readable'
**4:52**
